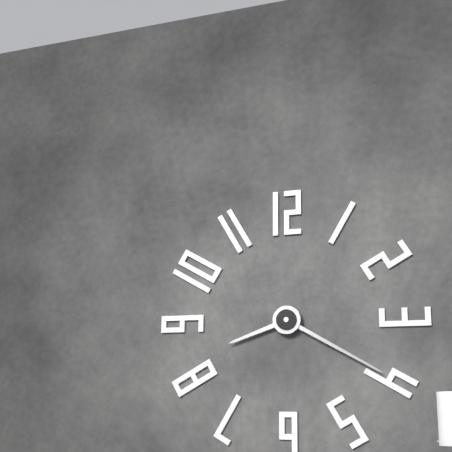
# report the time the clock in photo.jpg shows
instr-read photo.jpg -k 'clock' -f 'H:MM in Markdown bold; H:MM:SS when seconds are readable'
**8:20**
